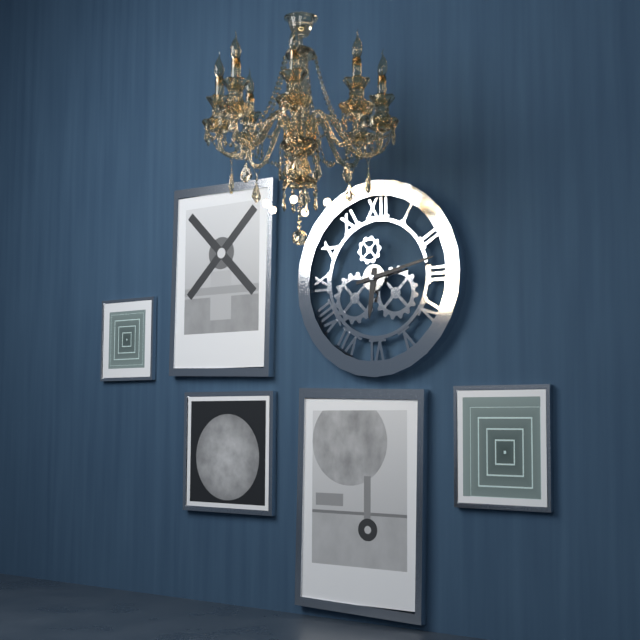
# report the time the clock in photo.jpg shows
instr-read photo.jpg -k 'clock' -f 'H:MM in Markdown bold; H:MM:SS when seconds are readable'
**6:13**
